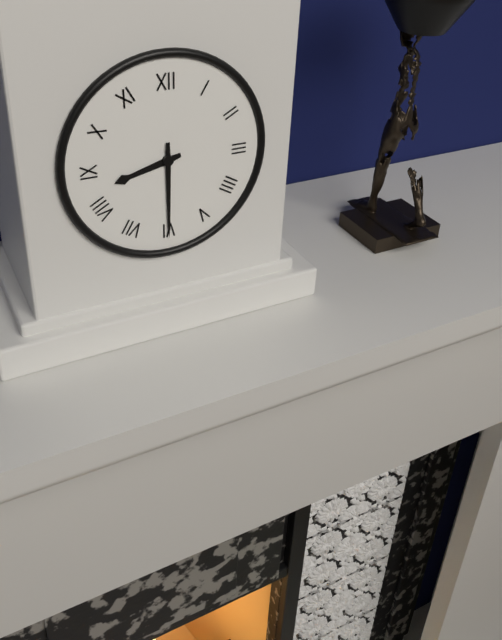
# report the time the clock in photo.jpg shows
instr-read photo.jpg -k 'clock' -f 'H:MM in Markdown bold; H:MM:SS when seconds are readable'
**8:30**
